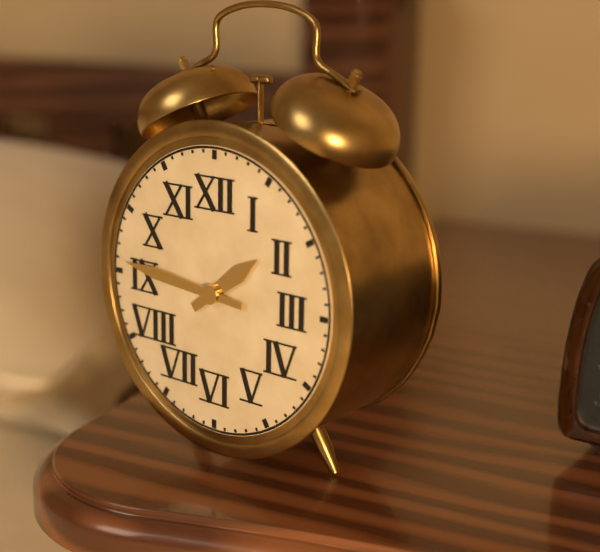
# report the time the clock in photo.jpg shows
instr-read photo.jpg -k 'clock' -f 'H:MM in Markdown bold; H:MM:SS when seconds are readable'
**1:46**
